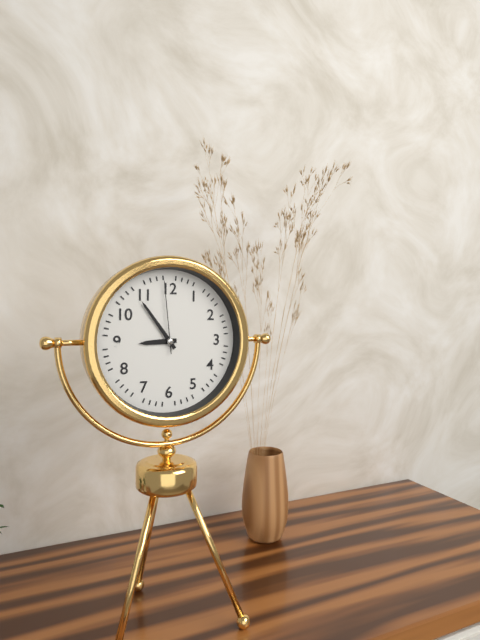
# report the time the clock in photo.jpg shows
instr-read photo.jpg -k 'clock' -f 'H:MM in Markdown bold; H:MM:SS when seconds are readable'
**8:54:59**
